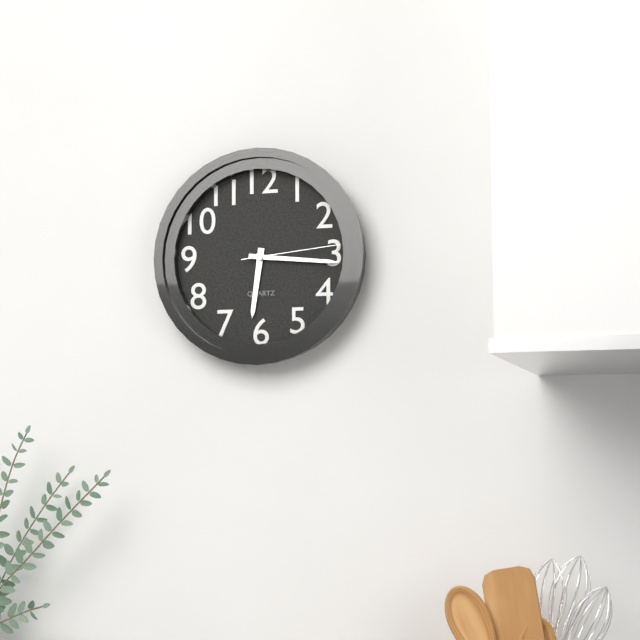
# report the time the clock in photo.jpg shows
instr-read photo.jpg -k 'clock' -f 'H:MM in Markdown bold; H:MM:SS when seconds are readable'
**6:16:14**
